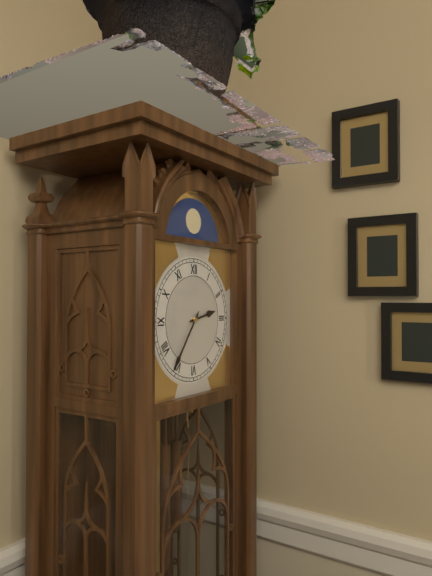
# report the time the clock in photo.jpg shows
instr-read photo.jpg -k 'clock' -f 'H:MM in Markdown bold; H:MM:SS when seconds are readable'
**2:36**
